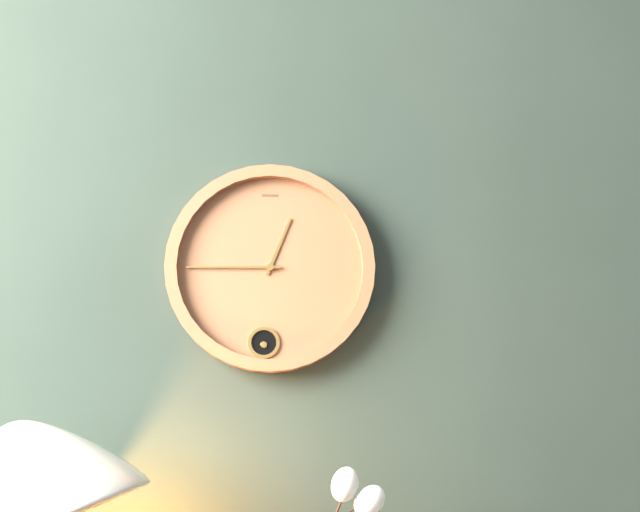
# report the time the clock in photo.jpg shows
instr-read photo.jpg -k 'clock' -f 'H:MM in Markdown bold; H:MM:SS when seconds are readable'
**12:45**
